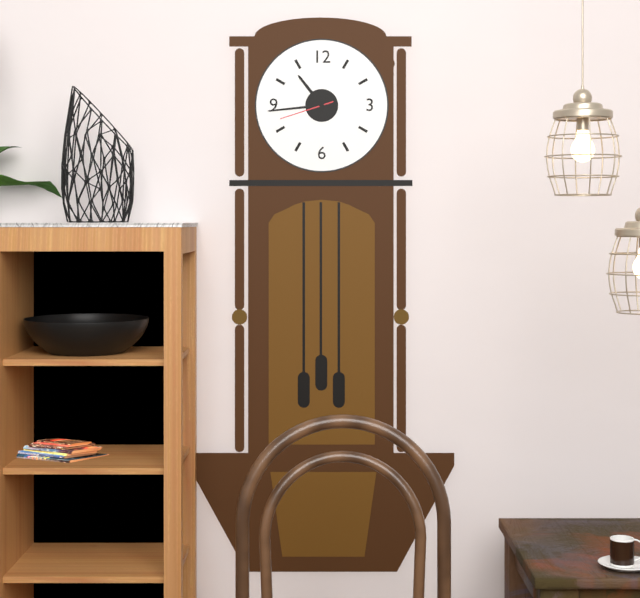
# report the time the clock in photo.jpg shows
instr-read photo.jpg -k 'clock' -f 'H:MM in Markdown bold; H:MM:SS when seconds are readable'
**10:44:42**
